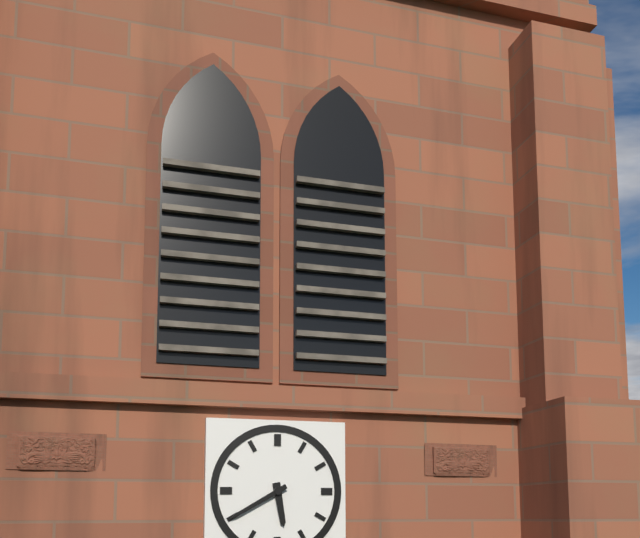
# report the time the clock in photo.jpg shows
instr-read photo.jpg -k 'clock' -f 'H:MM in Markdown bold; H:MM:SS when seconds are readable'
**5:40**
